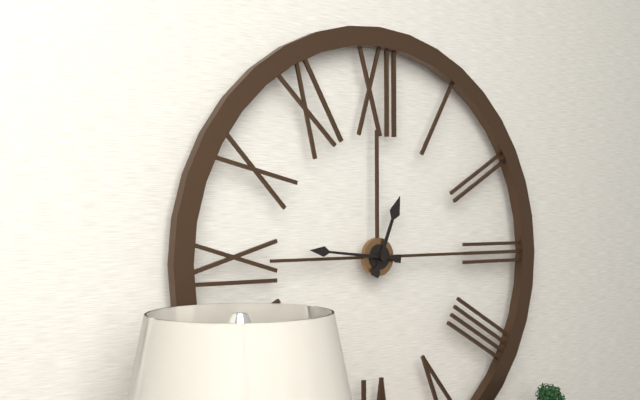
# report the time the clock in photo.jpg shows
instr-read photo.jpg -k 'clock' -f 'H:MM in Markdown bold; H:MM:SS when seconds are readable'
**12:46**
